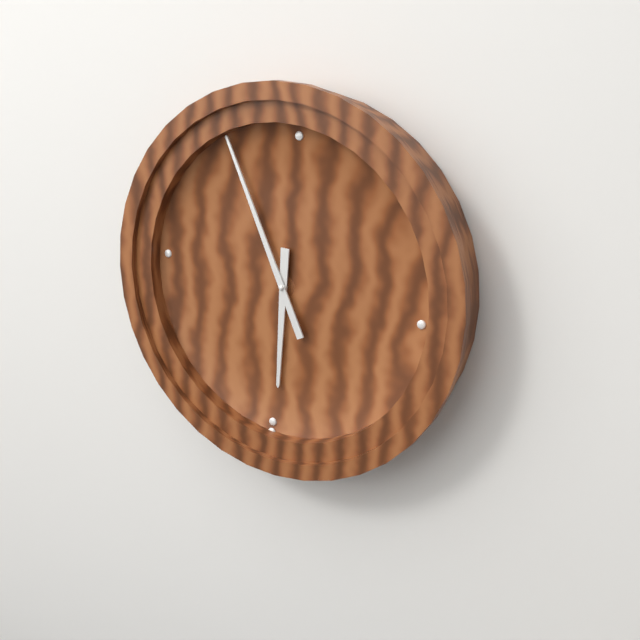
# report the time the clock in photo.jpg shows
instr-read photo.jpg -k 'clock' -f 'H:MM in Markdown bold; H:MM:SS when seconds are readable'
**5:55**
